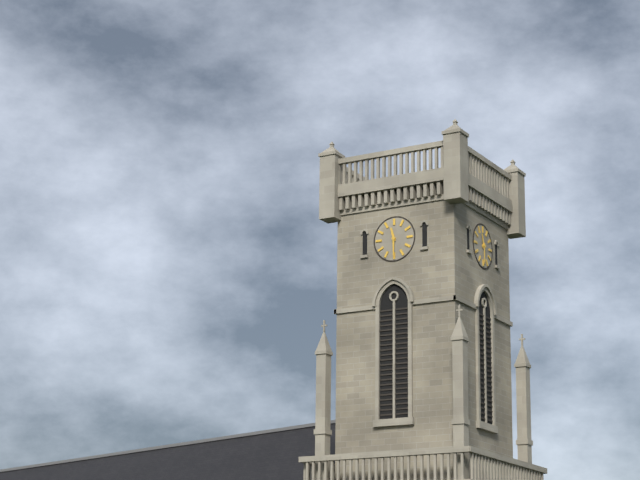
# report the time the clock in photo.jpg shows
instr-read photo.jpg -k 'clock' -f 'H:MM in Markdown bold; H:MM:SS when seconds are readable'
**11:30**
